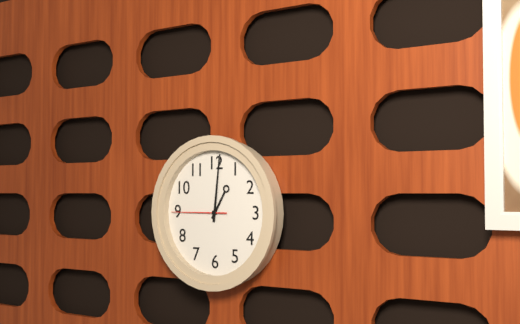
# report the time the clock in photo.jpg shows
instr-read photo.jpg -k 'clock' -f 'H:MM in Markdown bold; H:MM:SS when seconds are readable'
**1:01:45**
